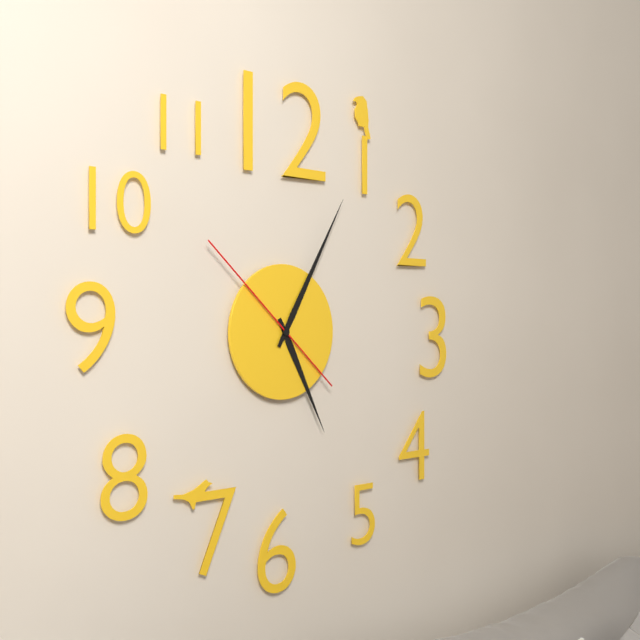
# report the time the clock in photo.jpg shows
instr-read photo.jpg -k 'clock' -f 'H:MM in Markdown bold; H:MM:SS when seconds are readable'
**5:05:52**
